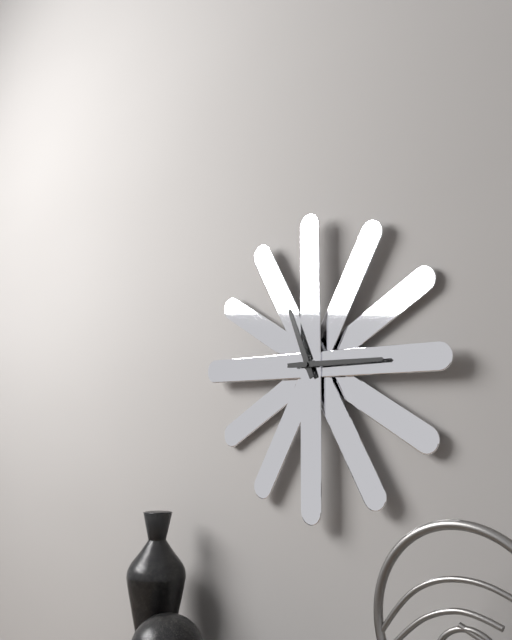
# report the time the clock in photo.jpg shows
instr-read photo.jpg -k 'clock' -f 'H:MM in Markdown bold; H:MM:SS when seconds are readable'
**11:15**
